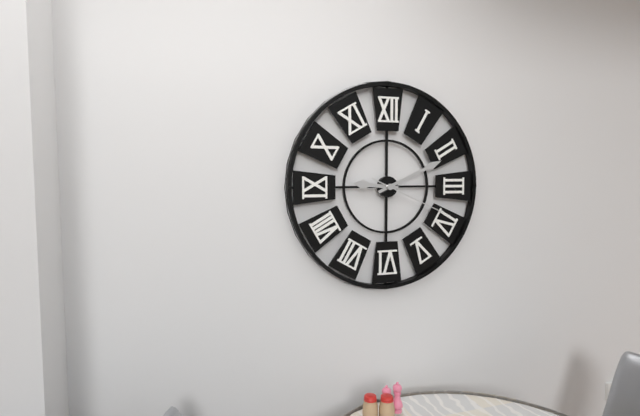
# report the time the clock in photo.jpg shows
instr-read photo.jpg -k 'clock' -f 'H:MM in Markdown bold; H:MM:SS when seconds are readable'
**9:11:19**
